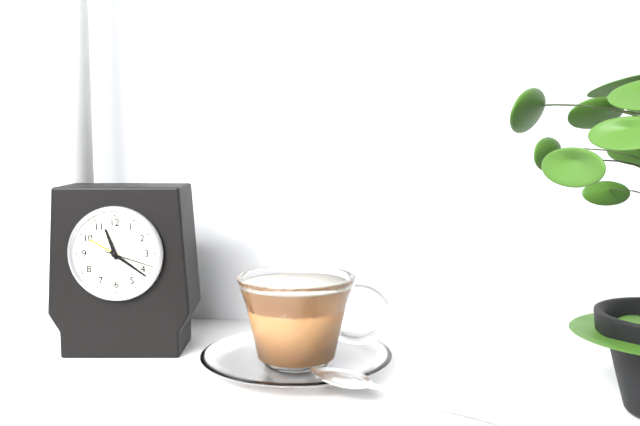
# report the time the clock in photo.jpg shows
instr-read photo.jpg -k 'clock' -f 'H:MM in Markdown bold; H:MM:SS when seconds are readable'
**11:21:18**
